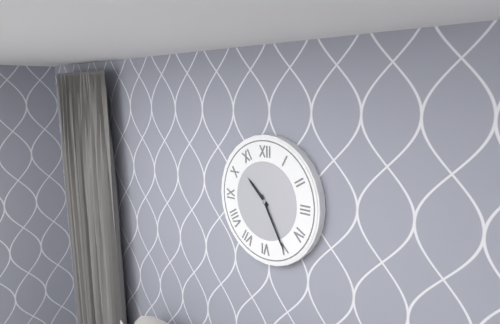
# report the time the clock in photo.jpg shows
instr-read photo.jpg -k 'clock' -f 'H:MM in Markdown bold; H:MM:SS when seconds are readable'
**10:25**
